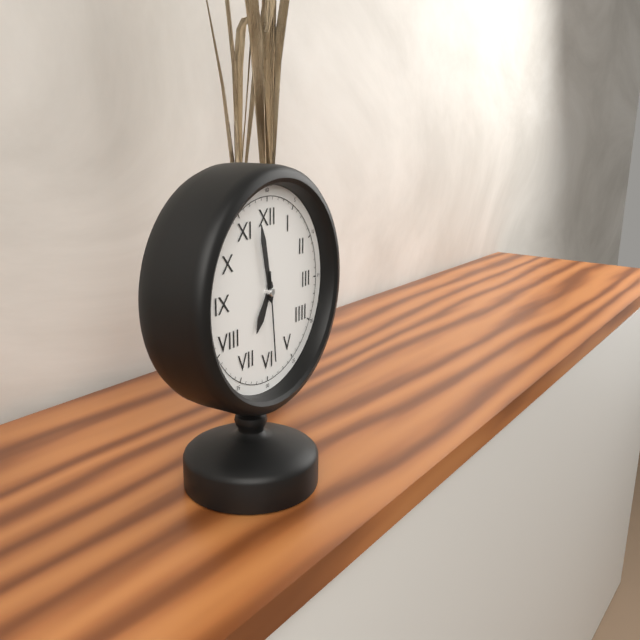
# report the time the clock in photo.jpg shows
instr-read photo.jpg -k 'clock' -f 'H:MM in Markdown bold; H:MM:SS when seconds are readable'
**6:58:29**
